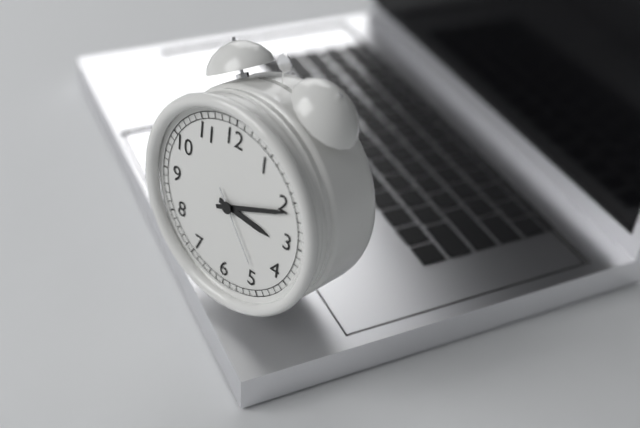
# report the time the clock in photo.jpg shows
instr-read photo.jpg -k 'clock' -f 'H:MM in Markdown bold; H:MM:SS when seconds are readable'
**3:11:24**
